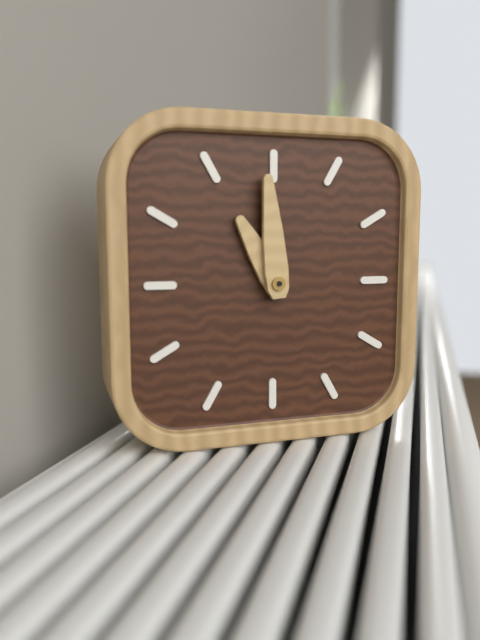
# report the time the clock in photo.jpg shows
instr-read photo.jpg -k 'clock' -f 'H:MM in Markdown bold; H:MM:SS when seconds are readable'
**10:59**
